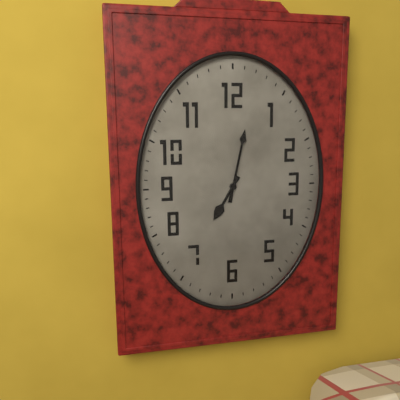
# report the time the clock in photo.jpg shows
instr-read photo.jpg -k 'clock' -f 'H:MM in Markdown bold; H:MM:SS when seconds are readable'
**7:02**
